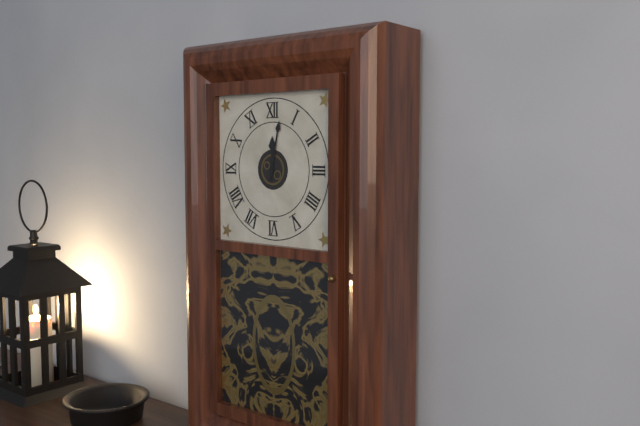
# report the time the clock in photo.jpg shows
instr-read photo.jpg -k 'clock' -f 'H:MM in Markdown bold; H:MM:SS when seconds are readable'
**12:02**
